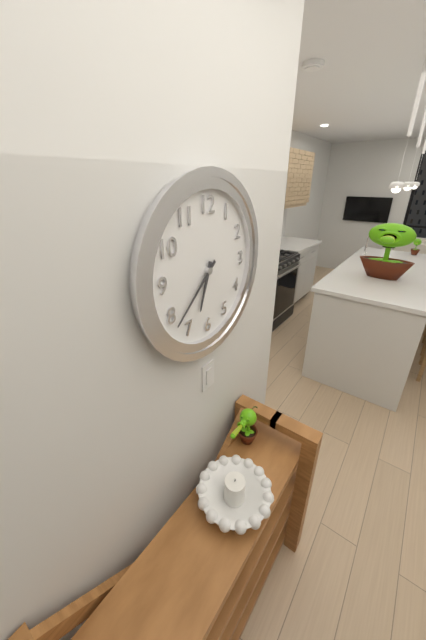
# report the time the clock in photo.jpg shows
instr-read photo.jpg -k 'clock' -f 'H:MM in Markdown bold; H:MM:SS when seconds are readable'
**6:38**
